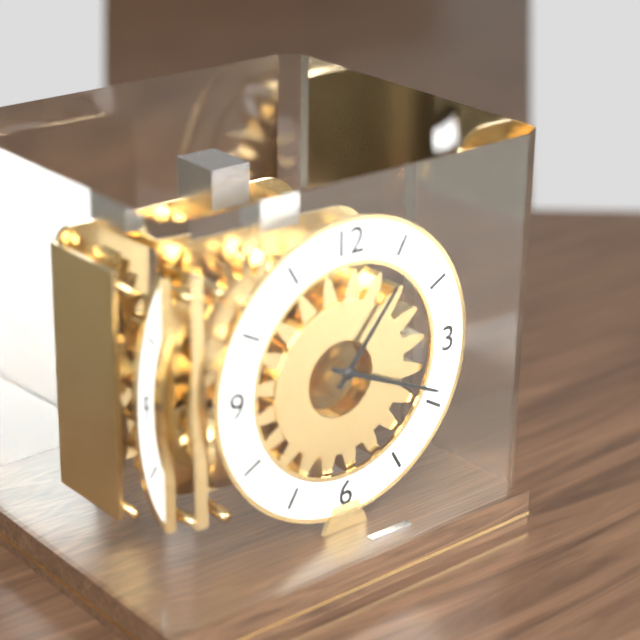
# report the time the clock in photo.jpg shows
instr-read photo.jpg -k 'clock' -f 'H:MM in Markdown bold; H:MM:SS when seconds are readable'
**1:19**
